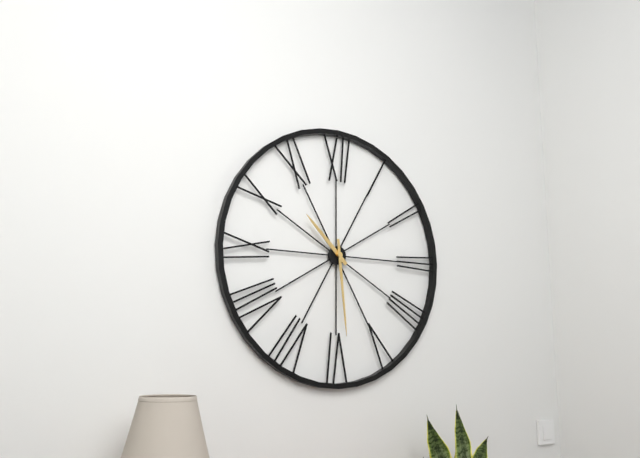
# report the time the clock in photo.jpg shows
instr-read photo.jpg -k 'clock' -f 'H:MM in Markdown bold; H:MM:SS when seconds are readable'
**10:29**
